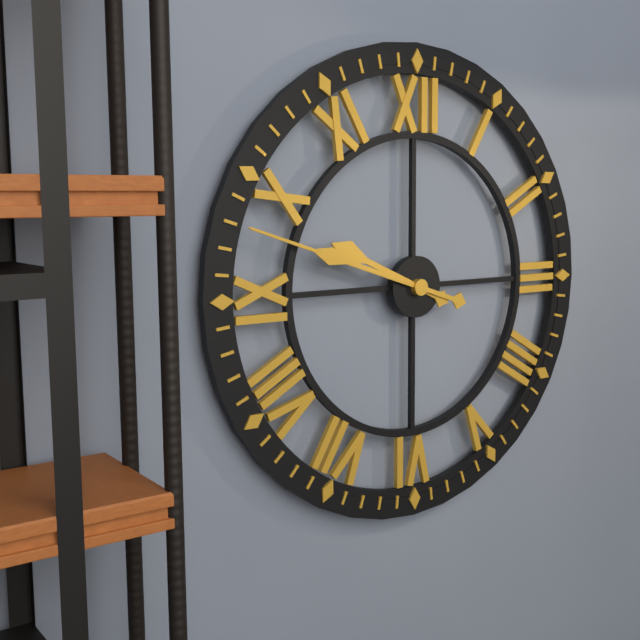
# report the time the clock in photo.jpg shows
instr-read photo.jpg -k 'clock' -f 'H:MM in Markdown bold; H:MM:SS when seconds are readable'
**9:48**
